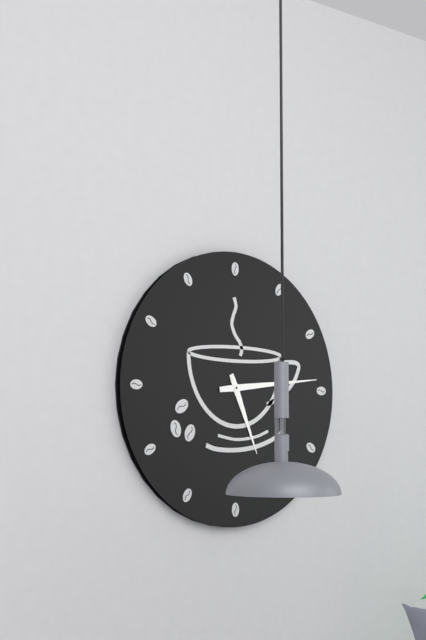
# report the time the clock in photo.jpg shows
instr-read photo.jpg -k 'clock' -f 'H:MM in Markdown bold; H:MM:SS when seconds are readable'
**5:14**
